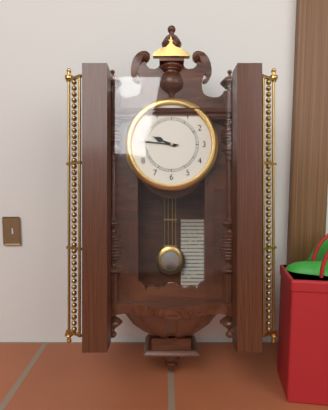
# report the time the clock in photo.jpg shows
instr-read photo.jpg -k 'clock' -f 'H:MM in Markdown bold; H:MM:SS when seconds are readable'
**9:46**
